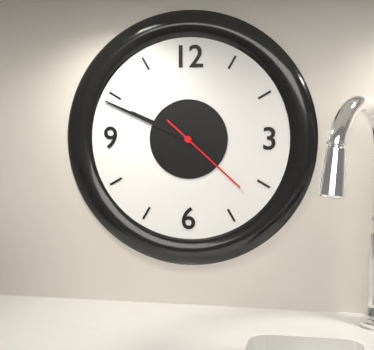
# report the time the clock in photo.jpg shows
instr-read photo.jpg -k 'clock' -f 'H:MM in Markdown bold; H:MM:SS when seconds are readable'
**9:49:22**
